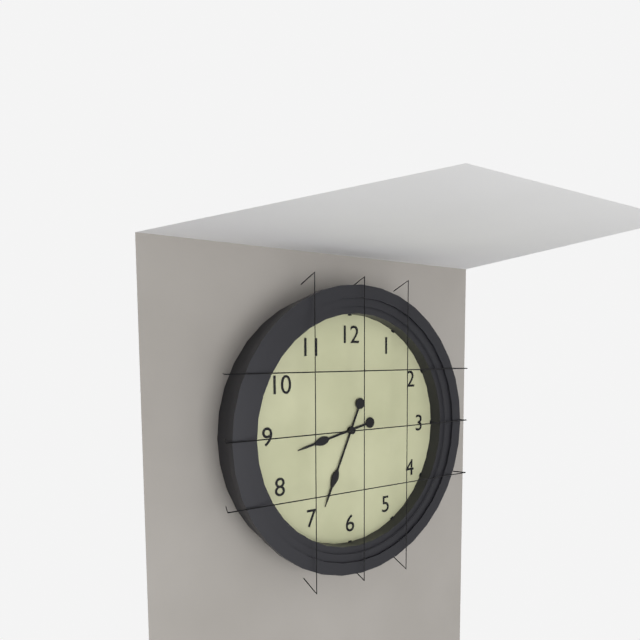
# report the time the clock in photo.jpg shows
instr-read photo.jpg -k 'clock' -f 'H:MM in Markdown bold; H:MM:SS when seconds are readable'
**8:34**
